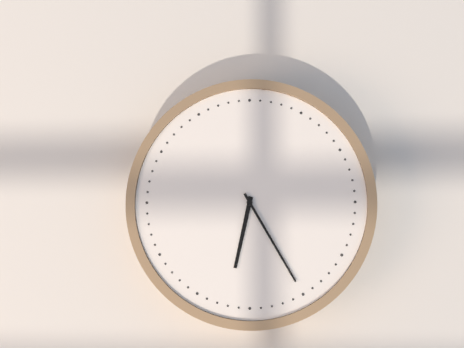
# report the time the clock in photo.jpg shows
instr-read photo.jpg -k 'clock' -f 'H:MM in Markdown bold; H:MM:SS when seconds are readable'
**6:25**
